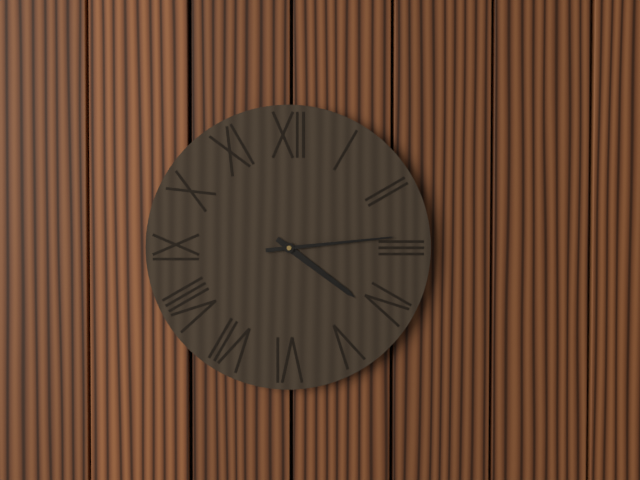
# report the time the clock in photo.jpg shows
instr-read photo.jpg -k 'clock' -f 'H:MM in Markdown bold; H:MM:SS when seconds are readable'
**4:14**
